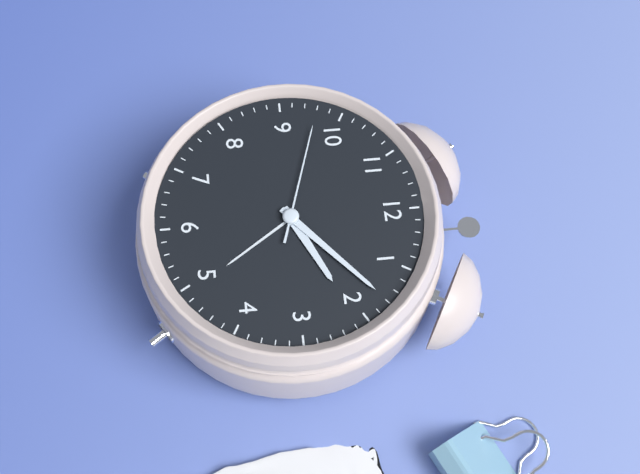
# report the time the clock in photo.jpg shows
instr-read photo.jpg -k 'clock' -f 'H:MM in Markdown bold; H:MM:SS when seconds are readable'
**2:08:48**
